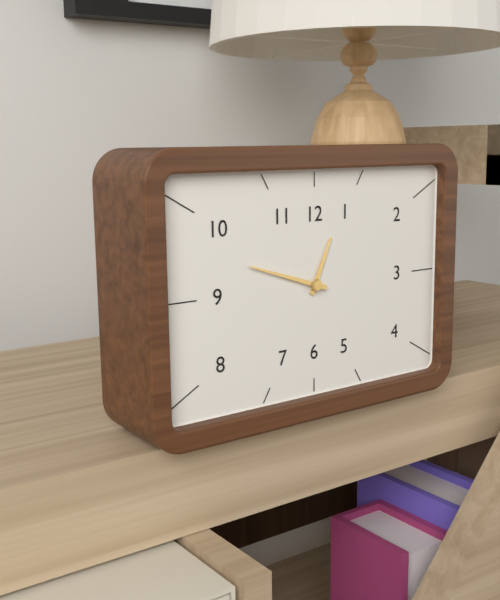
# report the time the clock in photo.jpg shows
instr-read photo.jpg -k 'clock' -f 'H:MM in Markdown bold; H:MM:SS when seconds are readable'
**12:48**
